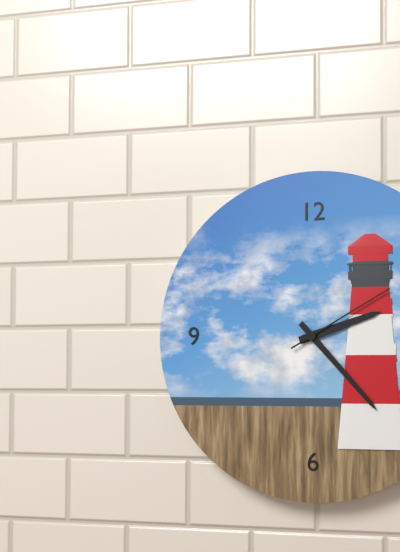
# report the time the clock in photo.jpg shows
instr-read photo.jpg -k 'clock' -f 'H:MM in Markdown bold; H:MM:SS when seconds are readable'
**2:23:10**
